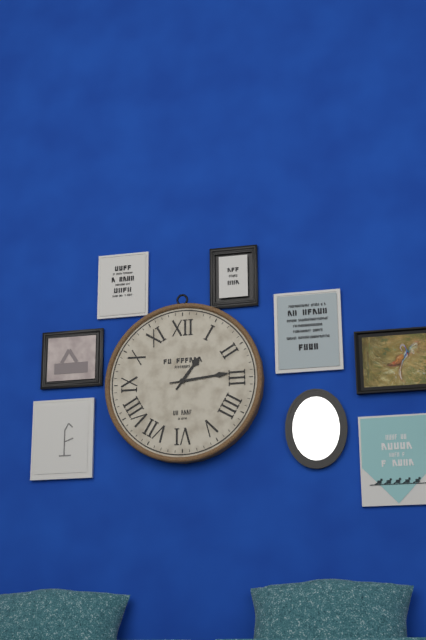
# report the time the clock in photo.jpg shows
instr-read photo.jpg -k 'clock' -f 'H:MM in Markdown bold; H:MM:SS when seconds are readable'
**1:14**
